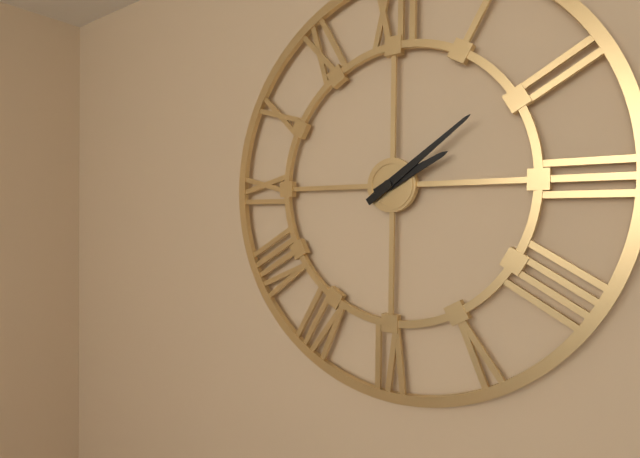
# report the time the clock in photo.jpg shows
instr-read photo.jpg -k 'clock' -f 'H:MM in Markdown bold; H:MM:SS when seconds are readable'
**2:09**
